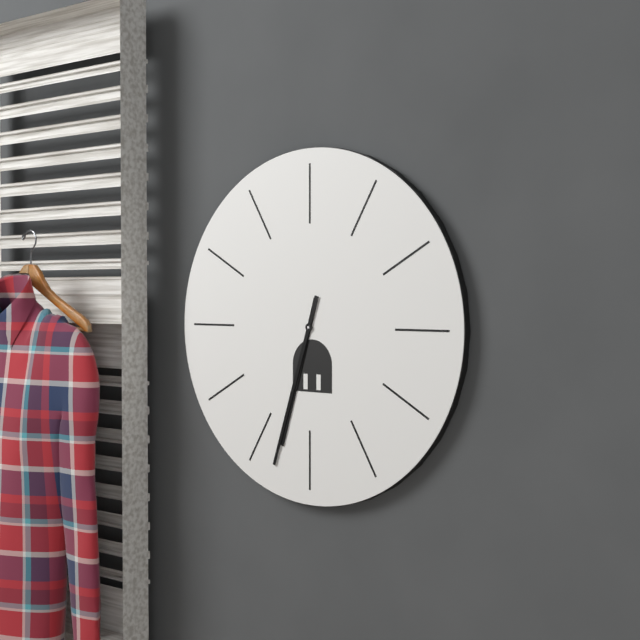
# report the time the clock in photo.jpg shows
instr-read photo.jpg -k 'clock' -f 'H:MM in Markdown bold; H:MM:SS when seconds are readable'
**6:33**
